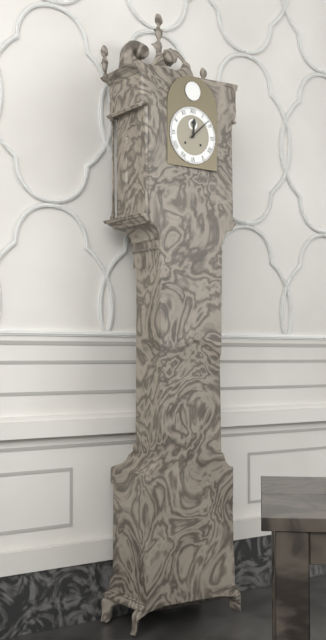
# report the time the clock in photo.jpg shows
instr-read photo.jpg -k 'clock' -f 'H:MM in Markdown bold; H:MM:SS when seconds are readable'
**12:08**
